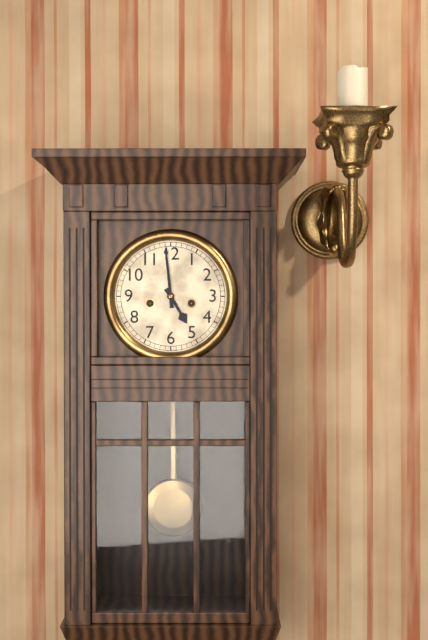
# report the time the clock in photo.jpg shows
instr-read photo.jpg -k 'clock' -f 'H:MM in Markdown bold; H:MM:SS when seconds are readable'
**4:59**
